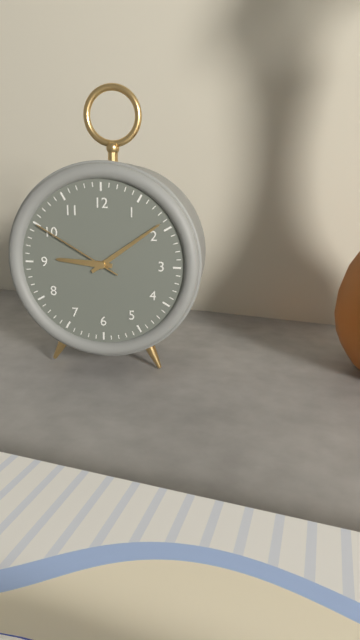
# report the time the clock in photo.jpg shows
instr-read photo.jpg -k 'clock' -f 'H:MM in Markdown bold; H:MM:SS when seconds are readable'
**9:09:50**
